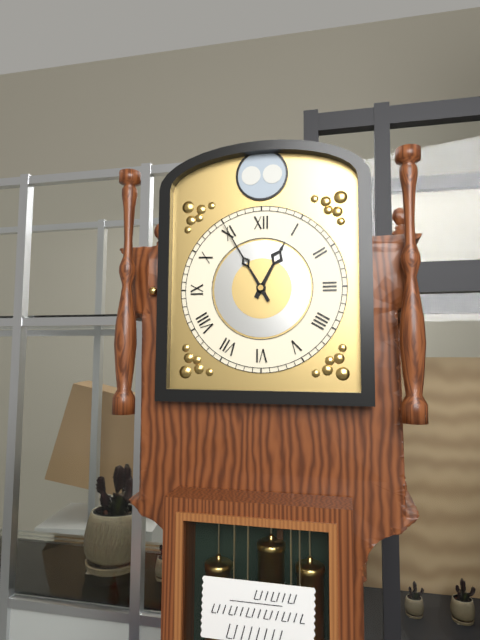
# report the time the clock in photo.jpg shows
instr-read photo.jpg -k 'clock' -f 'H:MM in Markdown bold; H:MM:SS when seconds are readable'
**12:55**
